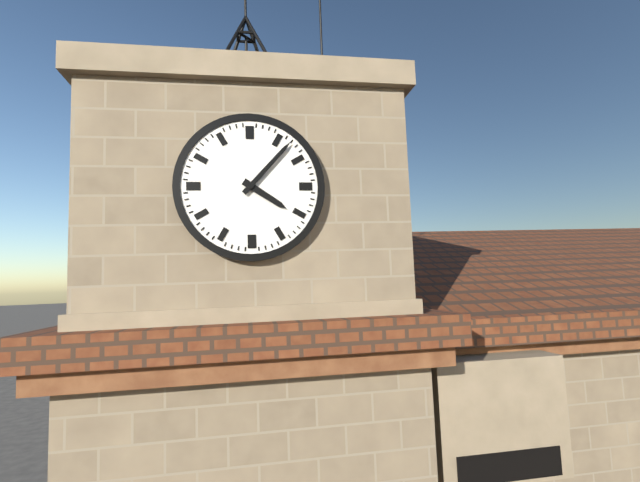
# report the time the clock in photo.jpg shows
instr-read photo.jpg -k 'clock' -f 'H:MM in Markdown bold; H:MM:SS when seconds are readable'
**4:07**
